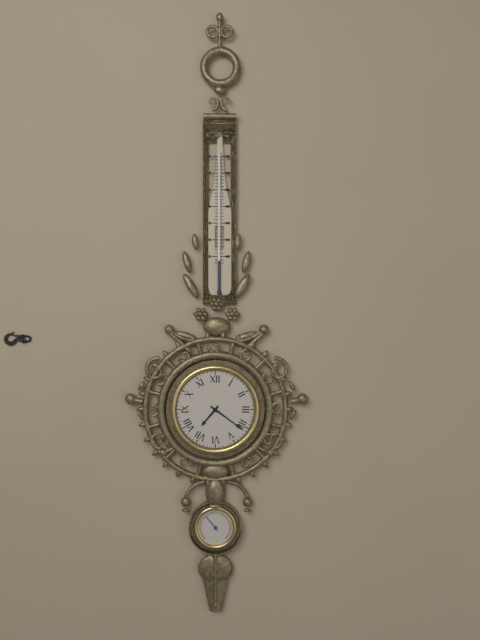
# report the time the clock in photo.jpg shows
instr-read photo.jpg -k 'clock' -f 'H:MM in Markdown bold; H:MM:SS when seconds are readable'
**7:21**
